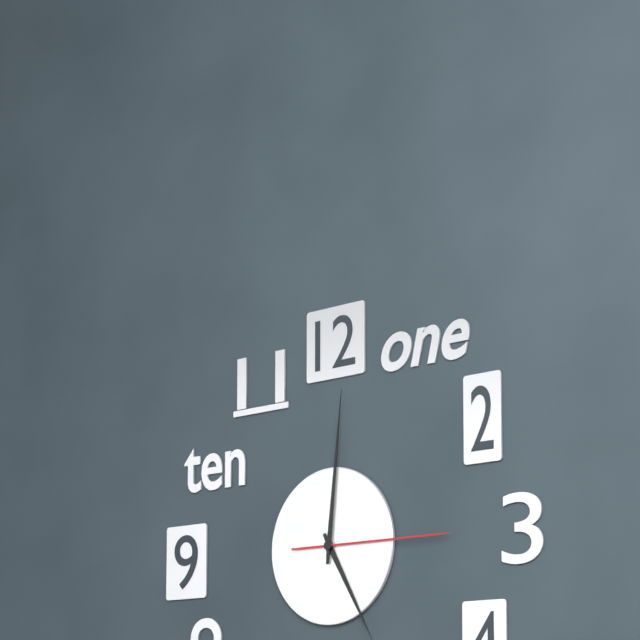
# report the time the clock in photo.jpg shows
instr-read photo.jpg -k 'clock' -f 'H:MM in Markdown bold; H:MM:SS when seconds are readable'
**5:01:15**
